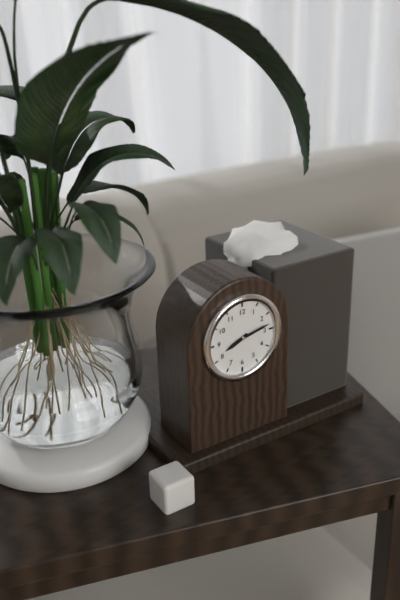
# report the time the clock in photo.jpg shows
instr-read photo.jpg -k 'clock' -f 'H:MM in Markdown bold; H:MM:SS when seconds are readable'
**8:13**
